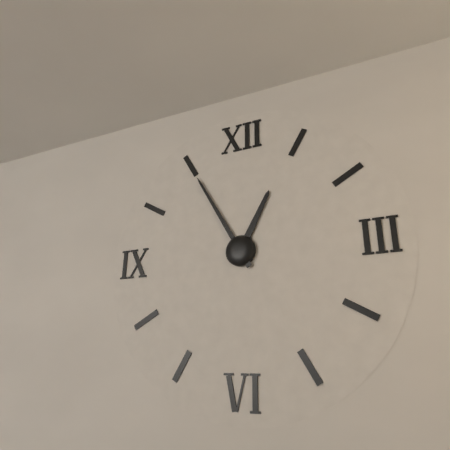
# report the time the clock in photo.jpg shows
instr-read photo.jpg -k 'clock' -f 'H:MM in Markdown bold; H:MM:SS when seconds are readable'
**12:55**
